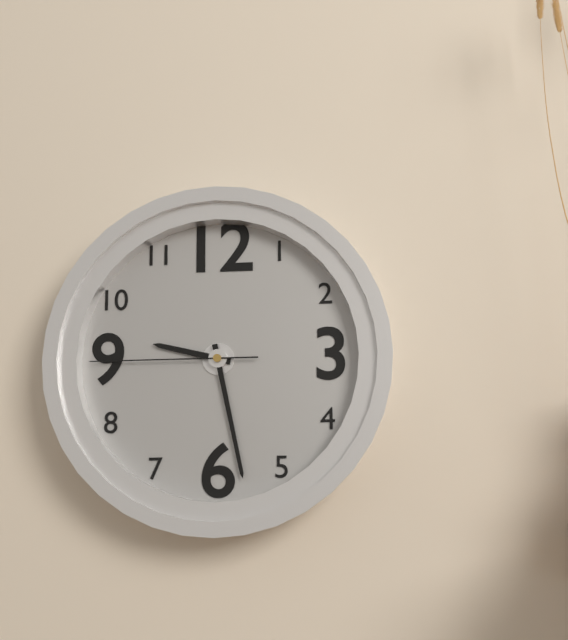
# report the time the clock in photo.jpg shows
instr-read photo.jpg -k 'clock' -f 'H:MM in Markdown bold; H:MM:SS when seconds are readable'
**9:28:45**
